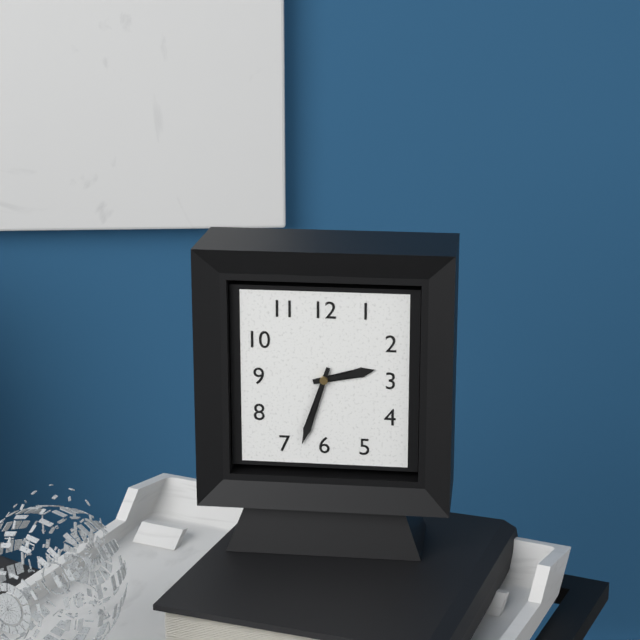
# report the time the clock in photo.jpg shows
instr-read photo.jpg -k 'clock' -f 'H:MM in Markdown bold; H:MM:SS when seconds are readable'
**2:33**
